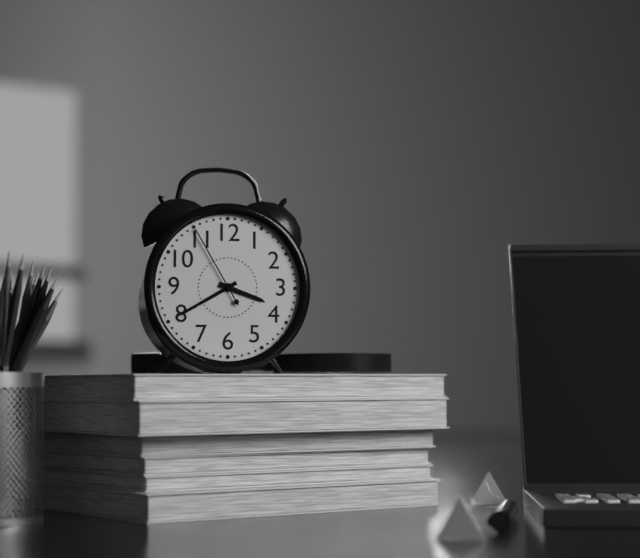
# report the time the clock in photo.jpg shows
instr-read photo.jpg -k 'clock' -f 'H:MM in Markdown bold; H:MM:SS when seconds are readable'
**3:40:55**
